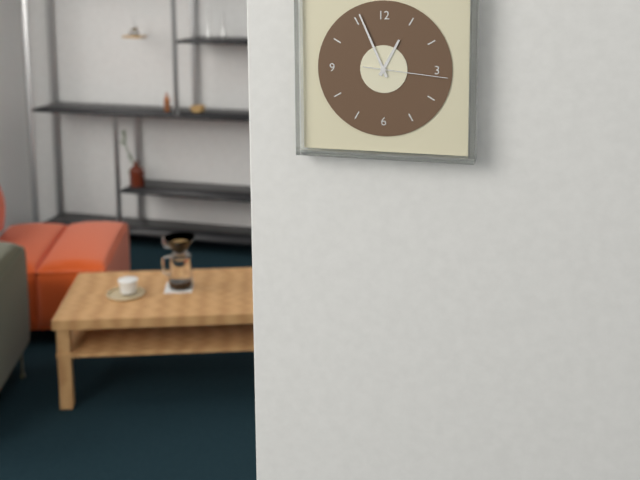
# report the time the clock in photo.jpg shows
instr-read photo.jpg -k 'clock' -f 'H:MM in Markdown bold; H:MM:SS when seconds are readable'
**12:56:16**
